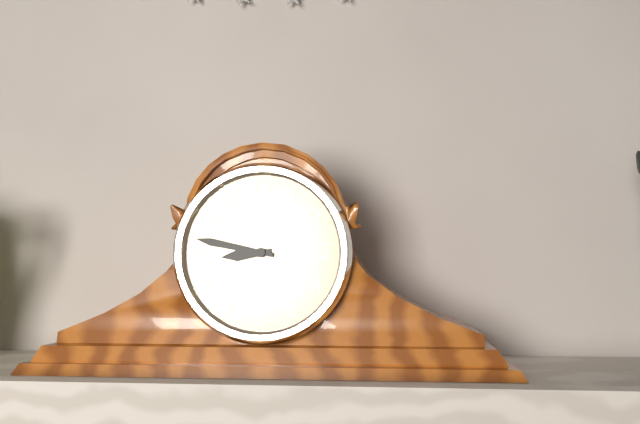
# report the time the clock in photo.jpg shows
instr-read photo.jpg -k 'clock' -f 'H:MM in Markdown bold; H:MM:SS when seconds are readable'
**8:47**
